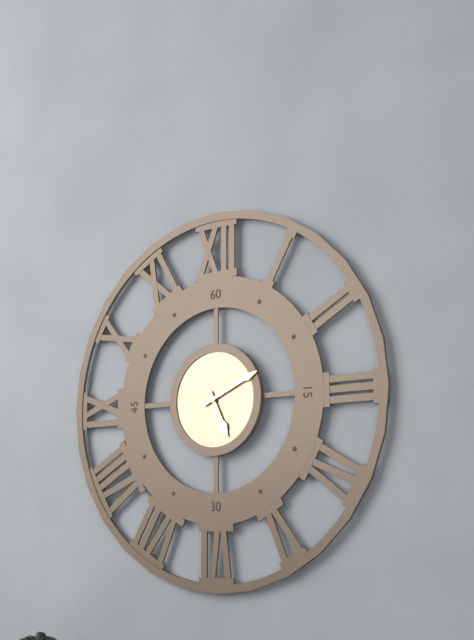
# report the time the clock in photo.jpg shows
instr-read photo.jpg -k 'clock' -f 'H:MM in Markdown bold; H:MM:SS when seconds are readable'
**5:11**
